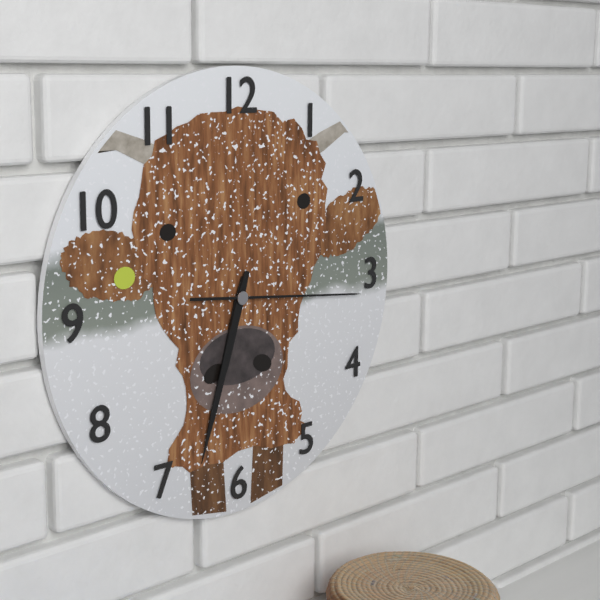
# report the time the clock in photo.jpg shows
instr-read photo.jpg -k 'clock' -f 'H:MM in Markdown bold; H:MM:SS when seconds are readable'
**6:33:16**
